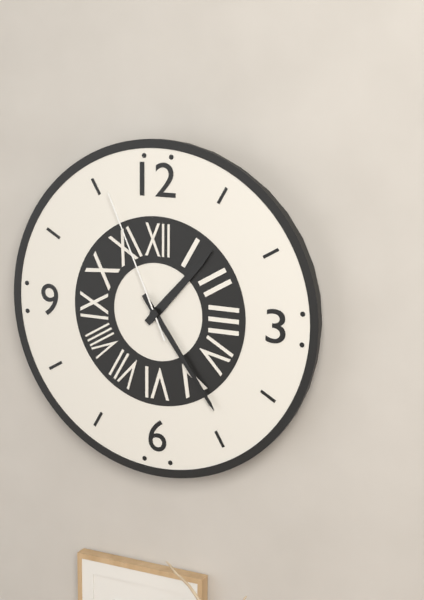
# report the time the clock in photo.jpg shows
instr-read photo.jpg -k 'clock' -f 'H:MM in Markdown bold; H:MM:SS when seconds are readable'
**1:24:56**
